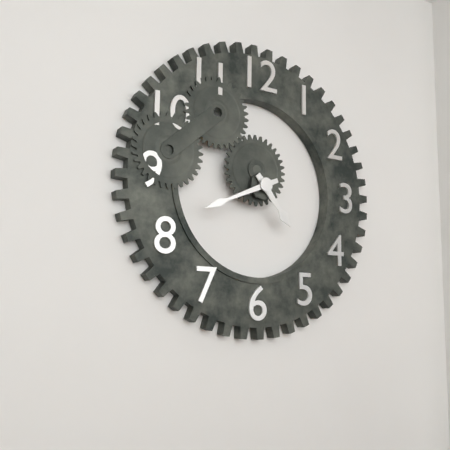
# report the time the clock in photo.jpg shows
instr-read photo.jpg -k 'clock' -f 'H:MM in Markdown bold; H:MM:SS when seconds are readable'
**4:41**
